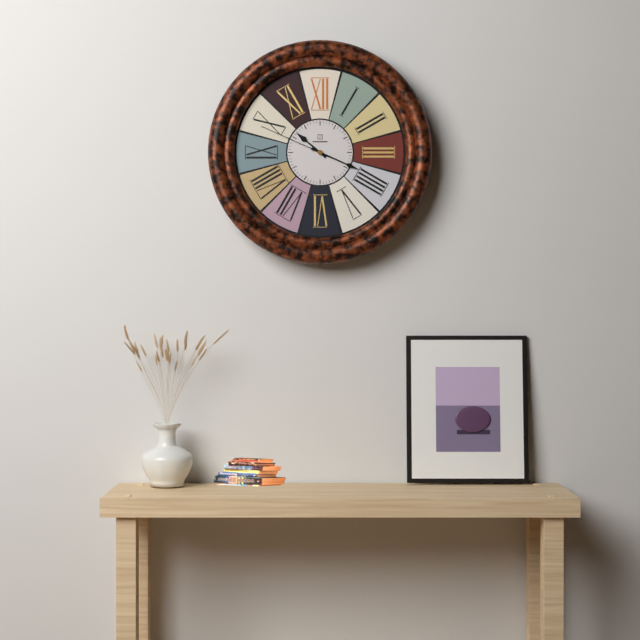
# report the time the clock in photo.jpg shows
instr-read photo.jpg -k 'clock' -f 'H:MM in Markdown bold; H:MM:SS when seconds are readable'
**10:19:49**
